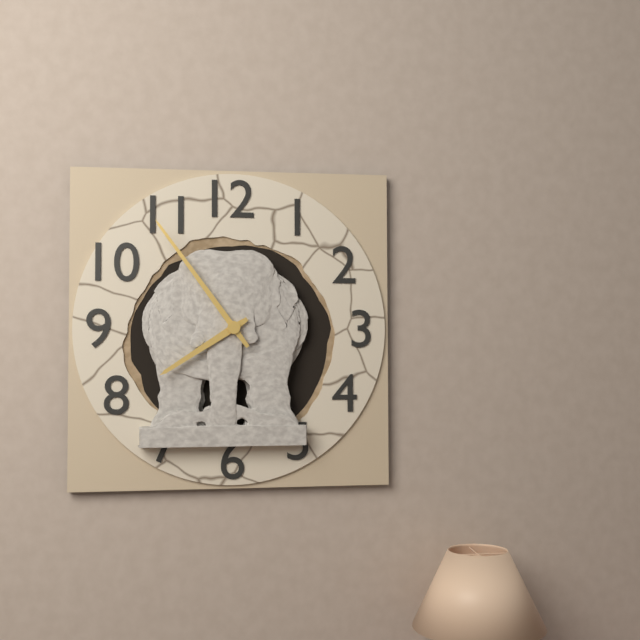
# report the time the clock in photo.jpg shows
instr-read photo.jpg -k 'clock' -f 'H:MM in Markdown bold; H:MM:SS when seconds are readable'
**7:54**
